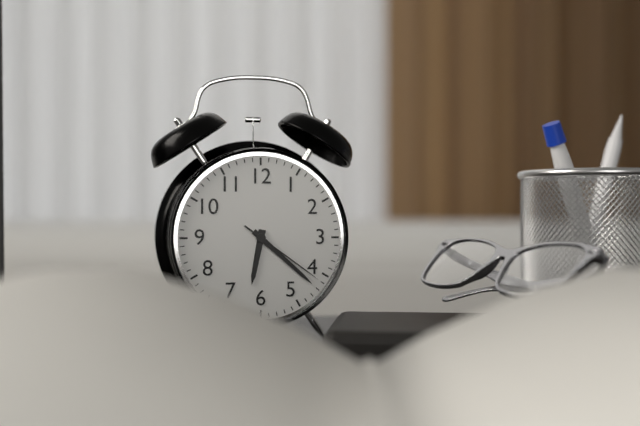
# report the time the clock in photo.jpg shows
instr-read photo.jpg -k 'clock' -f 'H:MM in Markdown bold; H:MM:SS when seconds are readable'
**6:22:21**
